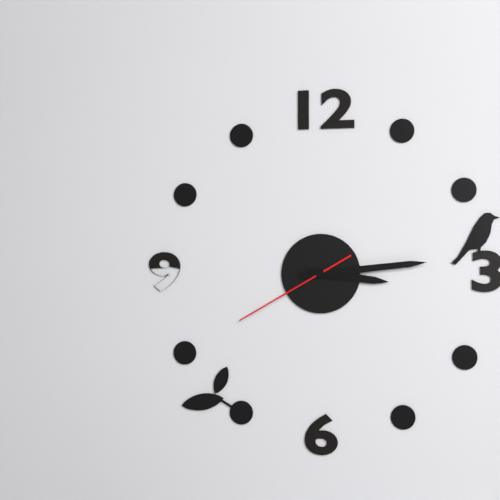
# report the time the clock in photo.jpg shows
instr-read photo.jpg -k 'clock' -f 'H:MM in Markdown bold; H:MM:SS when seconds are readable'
**3:14:40**
